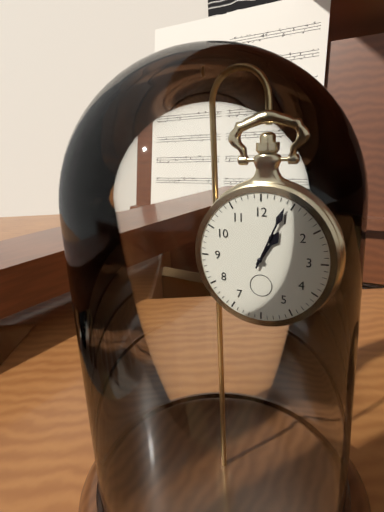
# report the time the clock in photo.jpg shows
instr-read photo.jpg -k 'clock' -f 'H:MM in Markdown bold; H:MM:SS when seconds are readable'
**1:04**
